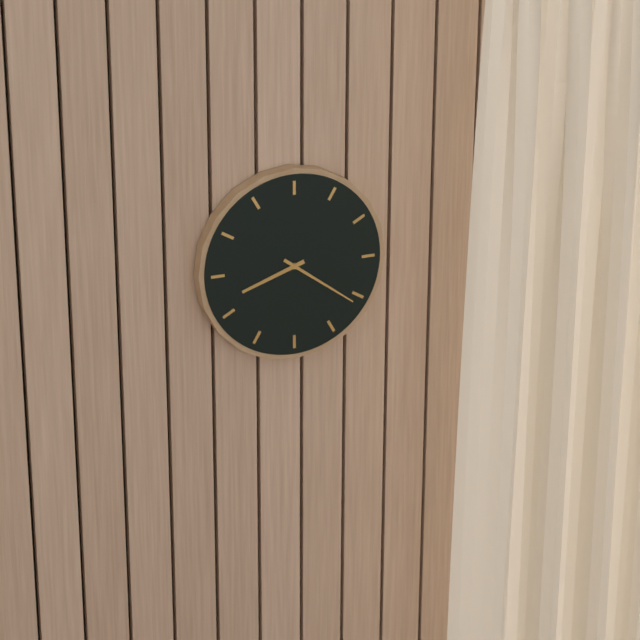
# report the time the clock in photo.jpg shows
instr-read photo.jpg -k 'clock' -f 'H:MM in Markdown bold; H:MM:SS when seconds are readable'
**8:21**
